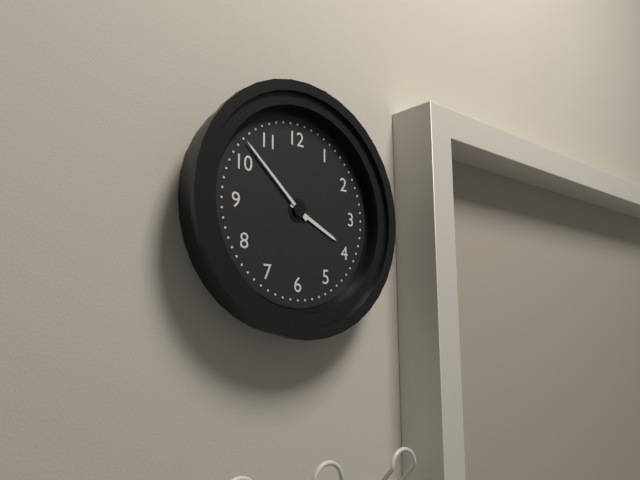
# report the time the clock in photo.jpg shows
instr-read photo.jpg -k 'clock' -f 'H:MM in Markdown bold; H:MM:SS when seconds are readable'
**3:52**
